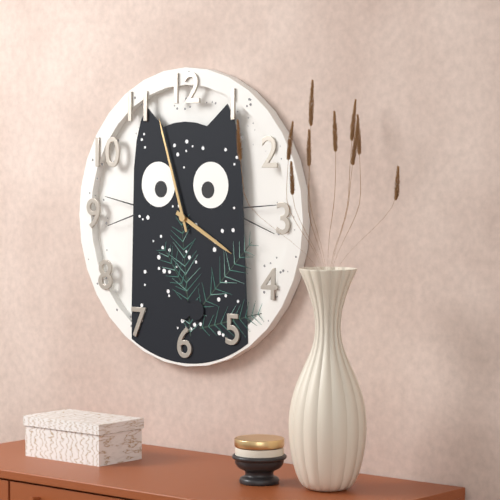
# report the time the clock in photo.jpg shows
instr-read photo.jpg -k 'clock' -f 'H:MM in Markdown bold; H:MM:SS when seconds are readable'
**3:57**
